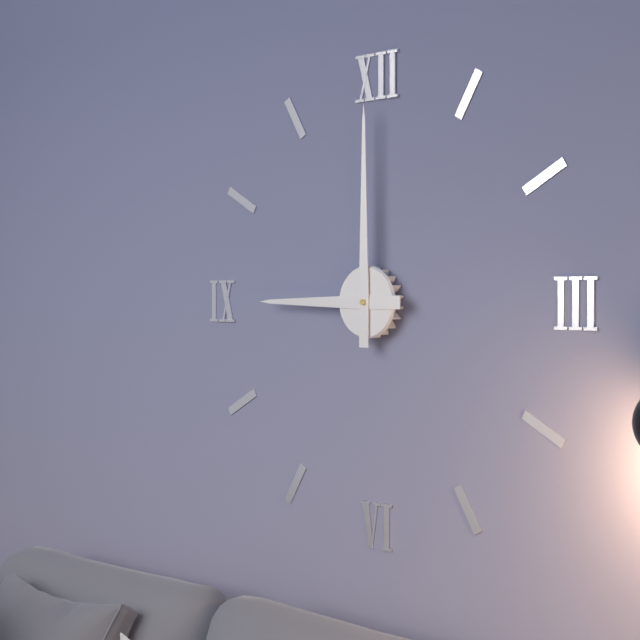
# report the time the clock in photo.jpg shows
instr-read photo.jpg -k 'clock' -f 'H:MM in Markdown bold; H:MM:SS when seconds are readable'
**9:00**
